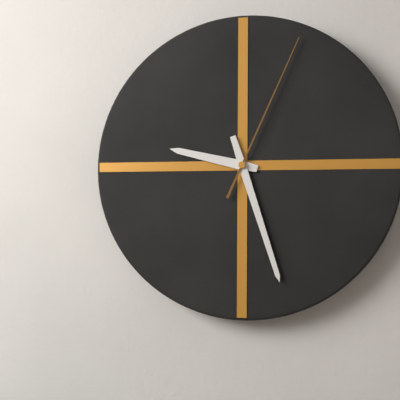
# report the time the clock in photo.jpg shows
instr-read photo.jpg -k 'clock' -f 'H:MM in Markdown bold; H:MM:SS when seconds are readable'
**9:27:04**
